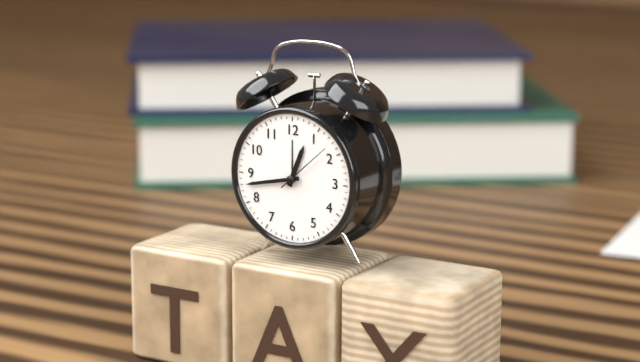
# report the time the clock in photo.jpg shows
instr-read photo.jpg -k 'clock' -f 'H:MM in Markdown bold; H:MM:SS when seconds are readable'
**12:43:08**
